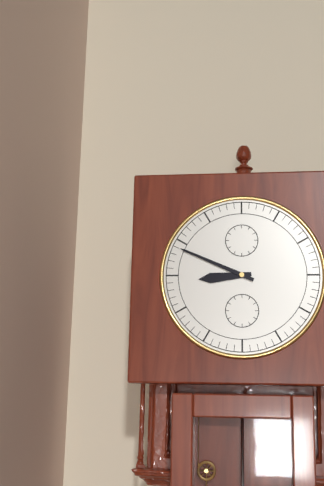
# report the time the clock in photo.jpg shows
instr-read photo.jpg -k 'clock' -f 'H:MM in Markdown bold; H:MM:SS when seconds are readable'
**8:49**
